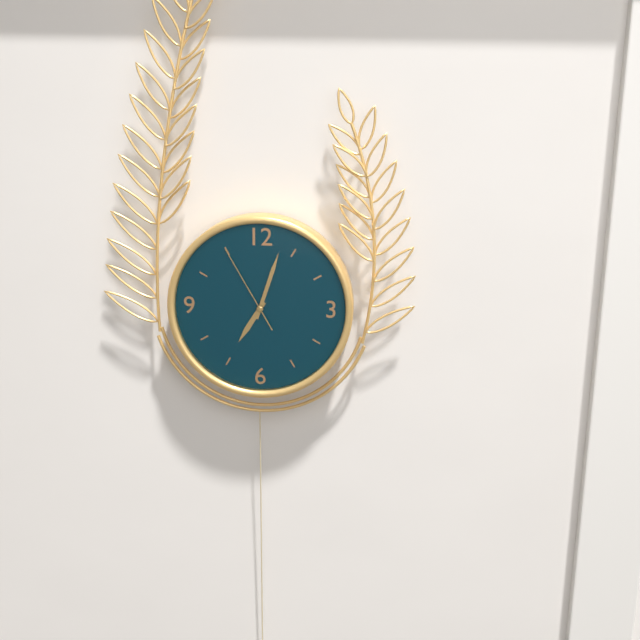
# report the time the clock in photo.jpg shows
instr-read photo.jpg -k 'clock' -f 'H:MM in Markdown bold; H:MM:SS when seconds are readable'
**7:03:55**
